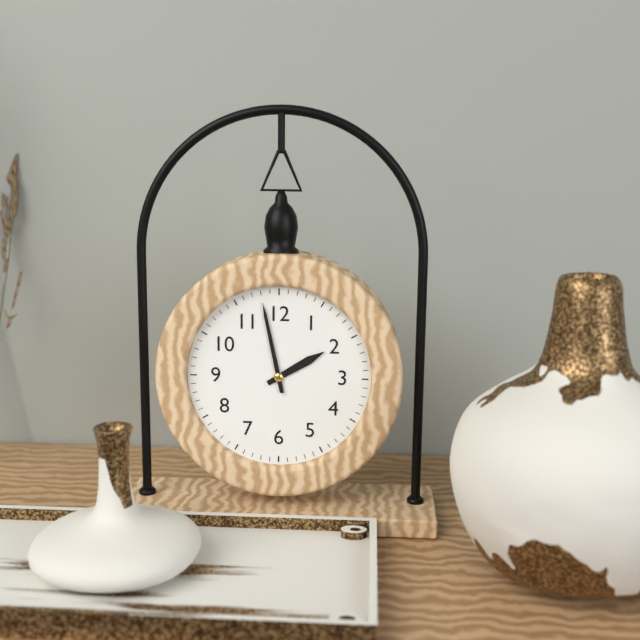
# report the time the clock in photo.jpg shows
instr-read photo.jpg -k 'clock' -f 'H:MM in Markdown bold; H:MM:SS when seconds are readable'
**1:58**
